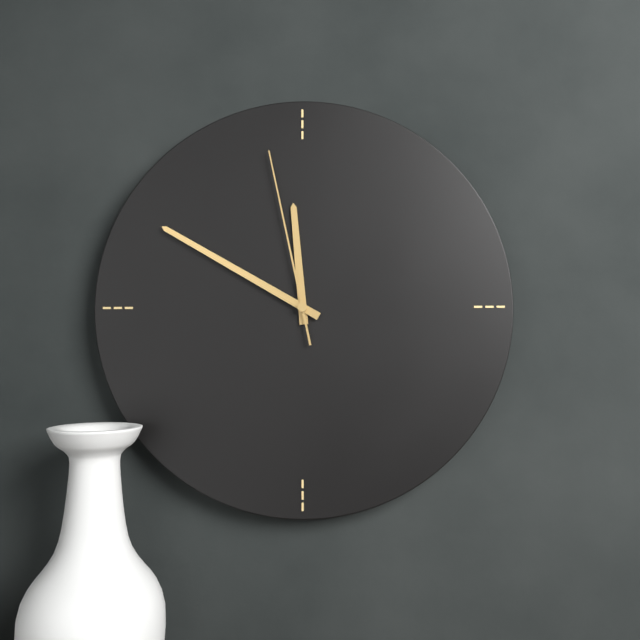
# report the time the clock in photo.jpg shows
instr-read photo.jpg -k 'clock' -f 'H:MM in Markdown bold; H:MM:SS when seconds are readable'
**11:50:58**
